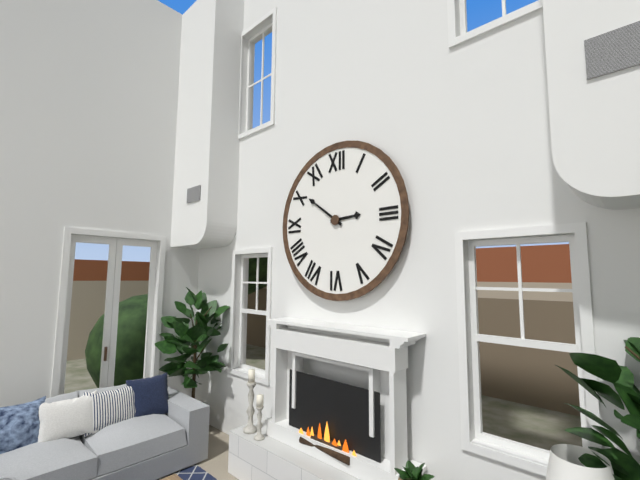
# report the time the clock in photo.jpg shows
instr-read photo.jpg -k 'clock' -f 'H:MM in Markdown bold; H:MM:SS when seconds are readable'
**2:51**
